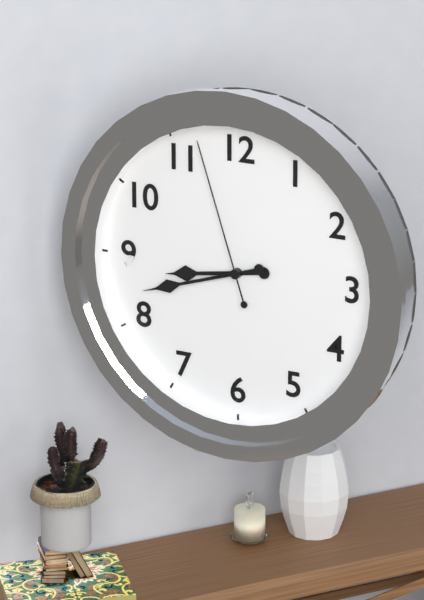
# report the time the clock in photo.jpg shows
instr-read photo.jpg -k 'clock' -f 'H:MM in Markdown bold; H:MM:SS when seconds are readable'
**8:42:57**
